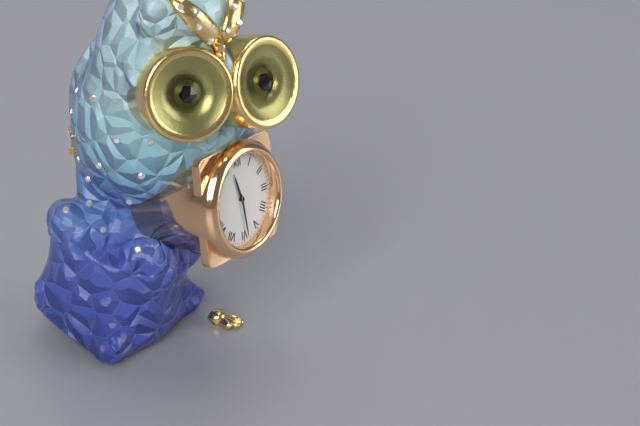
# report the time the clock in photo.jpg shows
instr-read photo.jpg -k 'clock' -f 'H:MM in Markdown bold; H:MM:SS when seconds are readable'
**11:29**
